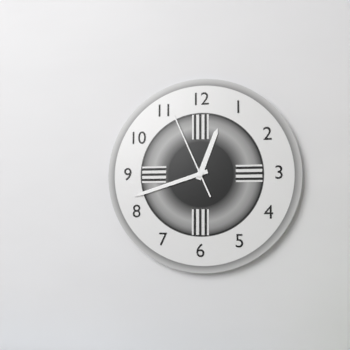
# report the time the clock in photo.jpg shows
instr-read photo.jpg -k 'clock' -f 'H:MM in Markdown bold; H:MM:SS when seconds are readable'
**12:42:56**
